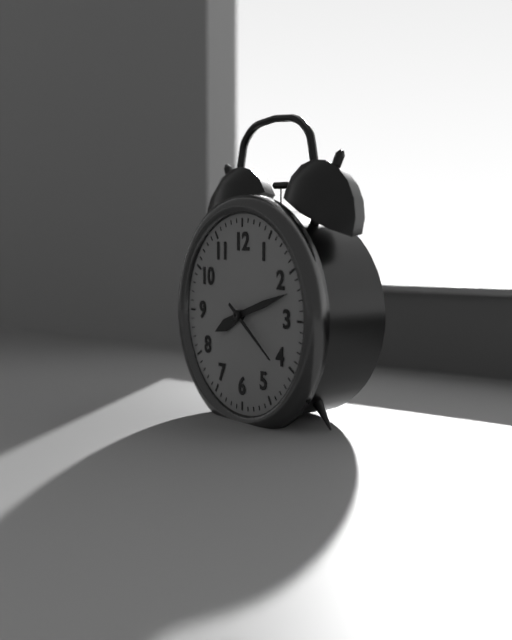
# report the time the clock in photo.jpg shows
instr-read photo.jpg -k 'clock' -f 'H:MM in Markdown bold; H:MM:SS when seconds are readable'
**8:12:21**
